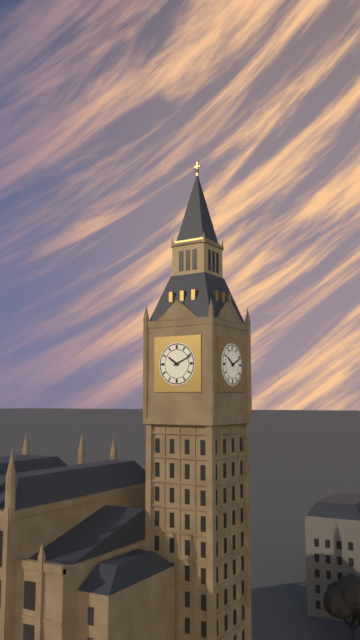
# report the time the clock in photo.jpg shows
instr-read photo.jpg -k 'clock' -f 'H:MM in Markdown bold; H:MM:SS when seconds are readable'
**10:11**
